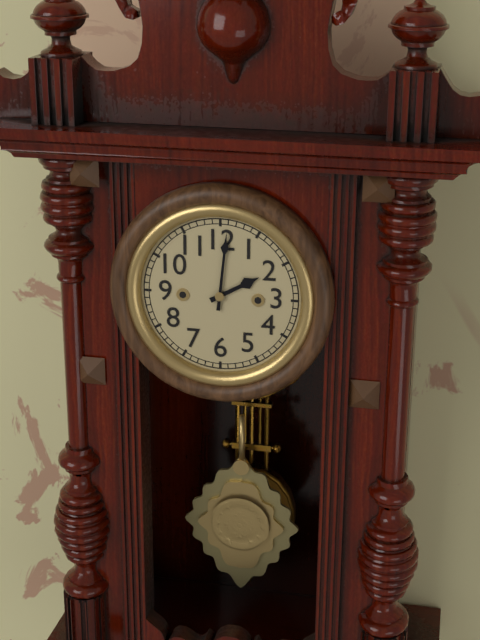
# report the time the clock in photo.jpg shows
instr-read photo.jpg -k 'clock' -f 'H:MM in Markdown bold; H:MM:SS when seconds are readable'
**2:01**
